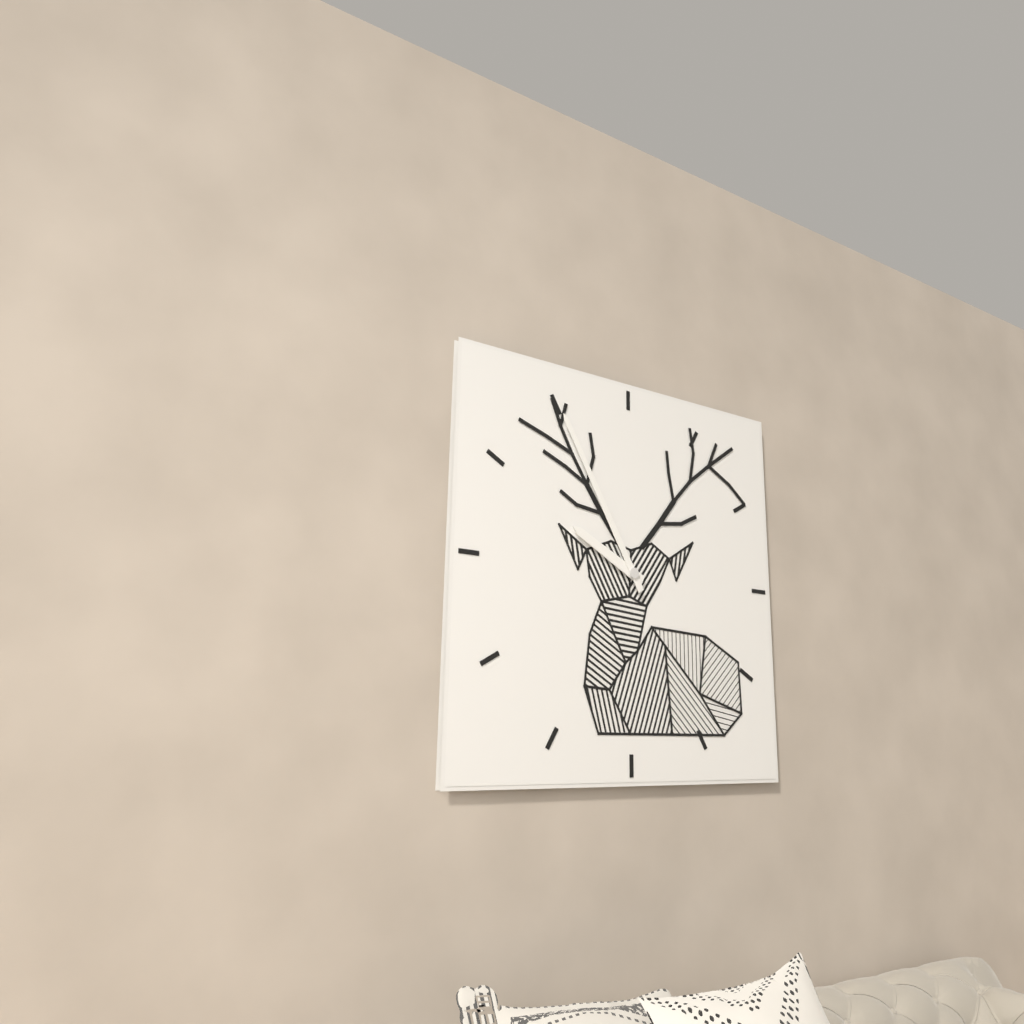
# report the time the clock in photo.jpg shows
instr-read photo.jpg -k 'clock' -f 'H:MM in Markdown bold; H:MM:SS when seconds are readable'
**9:55**
